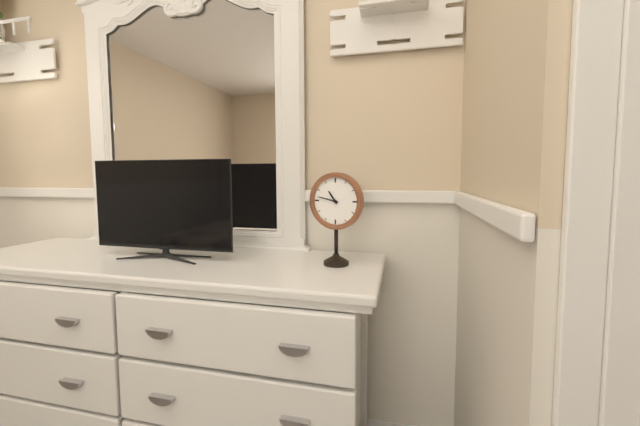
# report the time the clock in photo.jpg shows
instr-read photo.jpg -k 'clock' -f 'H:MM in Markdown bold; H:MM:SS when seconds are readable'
**10:47**
